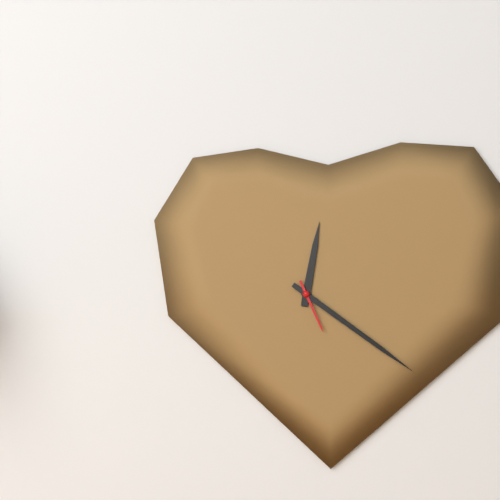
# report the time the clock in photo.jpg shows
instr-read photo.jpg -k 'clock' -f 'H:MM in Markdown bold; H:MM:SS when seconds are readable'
**12:21:26**
